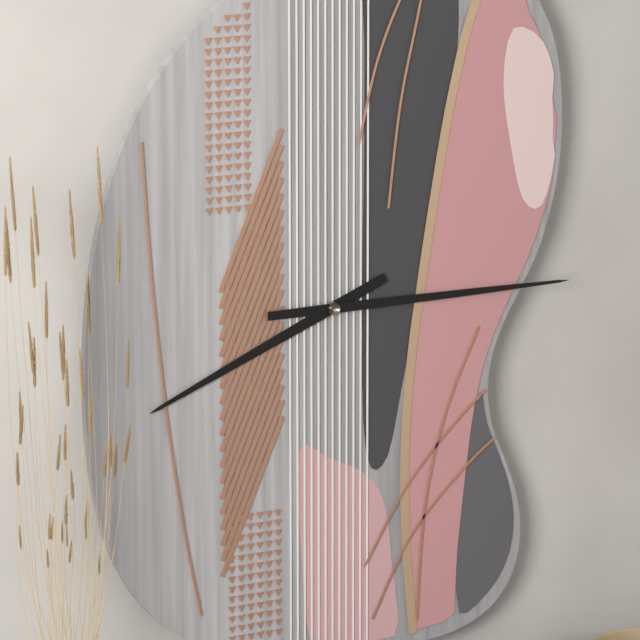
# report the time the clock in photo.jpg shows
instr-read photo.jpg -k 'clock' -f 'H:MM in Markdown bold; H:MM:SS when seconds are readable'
**8:15**
